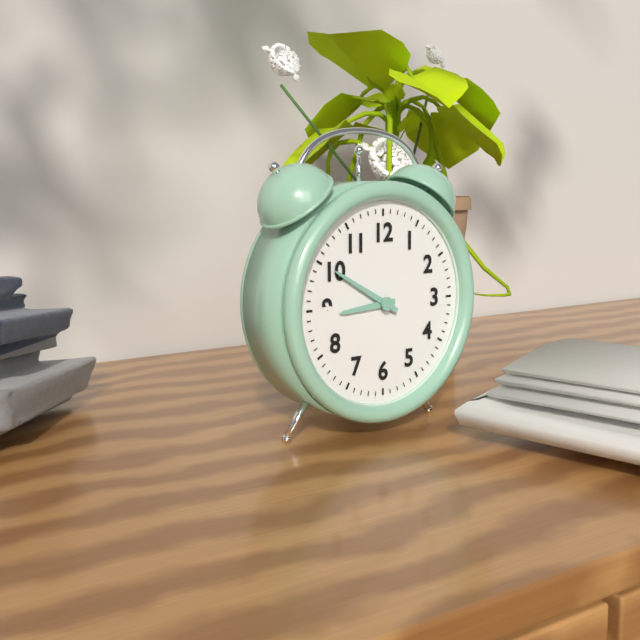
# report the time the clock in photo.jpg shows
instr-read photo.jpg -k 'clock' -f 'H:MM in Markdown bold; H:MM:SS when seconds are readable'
**8:50**
